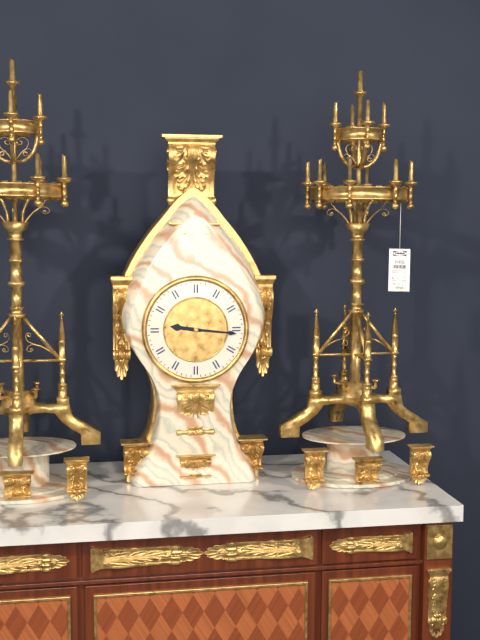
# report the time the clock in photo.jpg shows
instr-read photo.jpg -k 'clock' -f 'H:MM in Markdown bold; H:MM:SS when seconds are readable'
**9:16**
